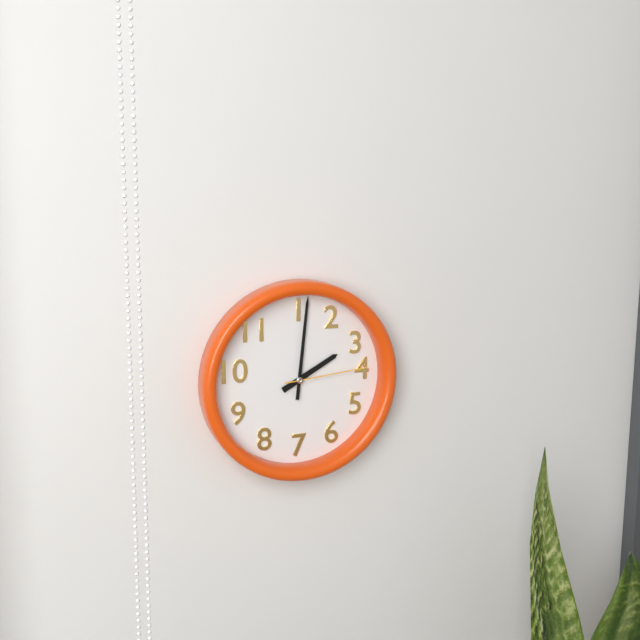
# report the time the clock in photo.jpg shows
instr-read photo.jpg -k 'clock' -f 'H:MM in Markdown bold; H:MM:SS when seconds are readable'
**2:01:14**
